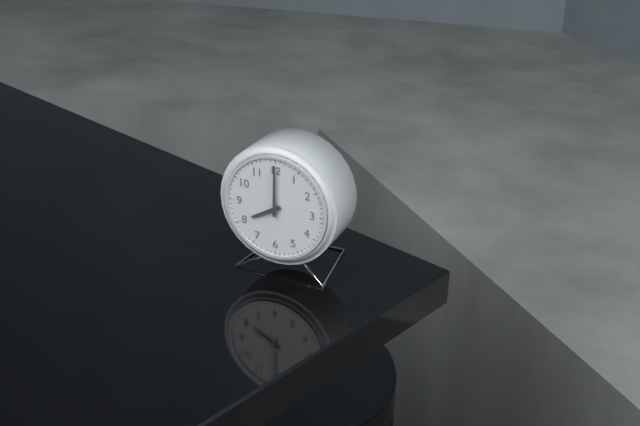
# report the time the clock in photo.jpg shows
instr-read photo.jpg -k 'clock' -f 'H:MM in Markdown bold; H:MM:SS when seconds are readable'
**8:00**
